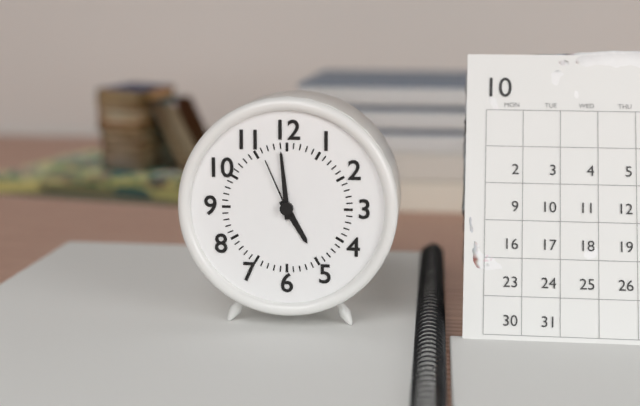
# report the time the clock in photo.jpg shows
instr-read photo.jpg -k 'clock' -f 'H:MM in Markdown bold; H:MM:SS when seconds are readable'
**4:59:56**
